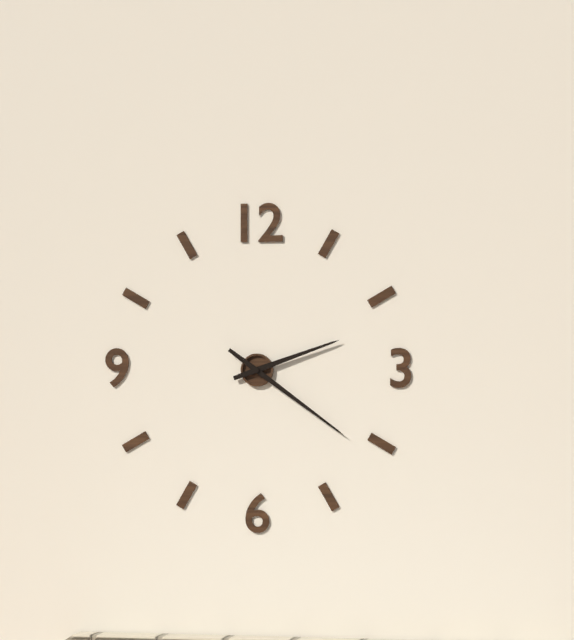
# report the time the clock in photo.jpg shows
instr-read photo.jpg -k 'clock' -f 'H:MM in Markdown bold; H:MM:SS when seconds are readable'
**2:21**
